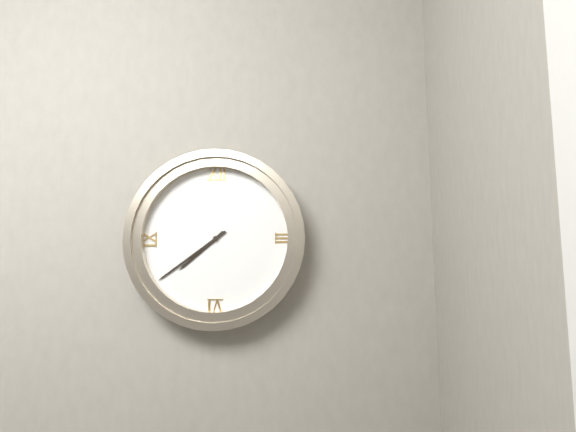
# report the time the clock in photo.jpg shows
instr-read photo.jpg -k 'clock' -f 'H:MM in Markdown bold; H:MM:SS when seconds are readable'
**7:39**
